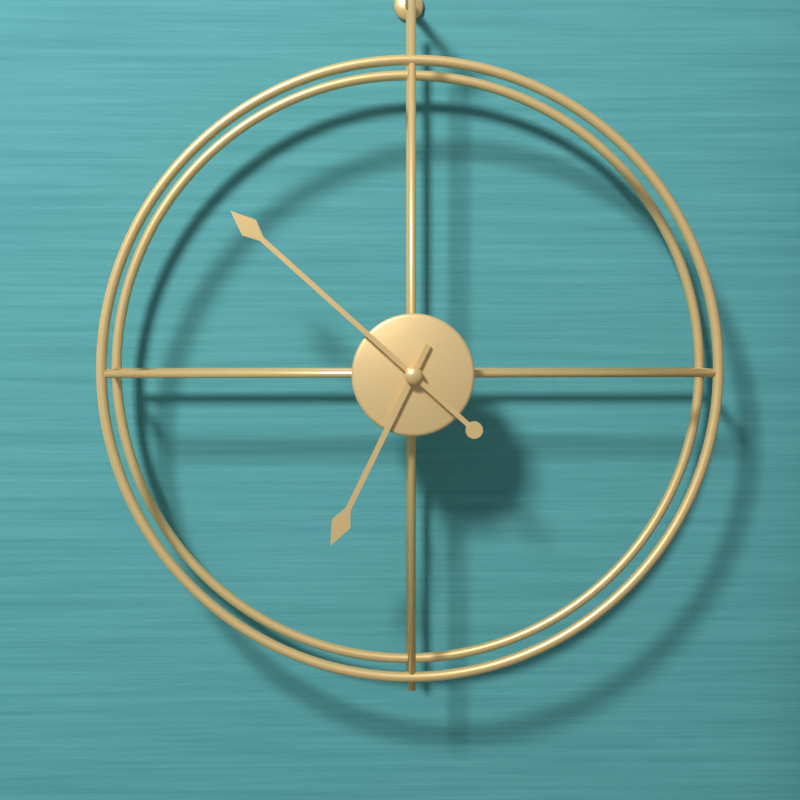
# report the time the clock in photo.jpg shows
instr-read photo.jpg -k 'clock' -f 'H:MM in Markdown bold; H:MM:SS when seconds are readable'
**6:52**
